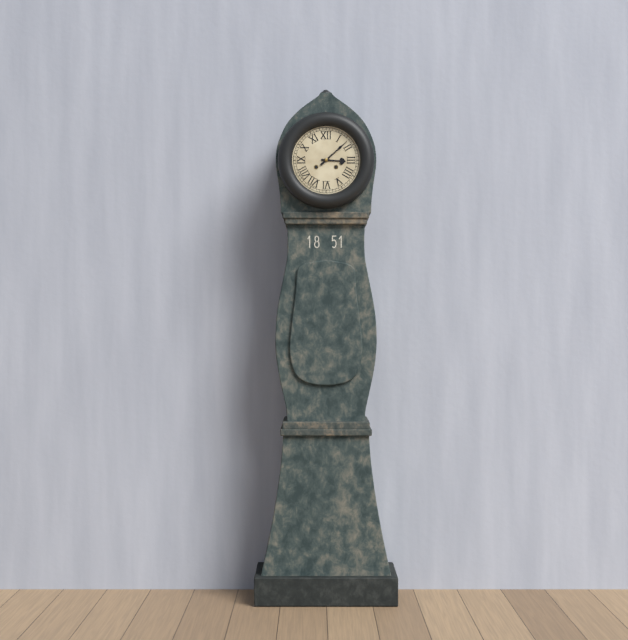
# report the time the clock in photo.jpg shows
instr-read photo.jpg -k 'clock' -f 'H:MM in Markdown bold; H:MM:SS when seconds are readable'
**3:08**
